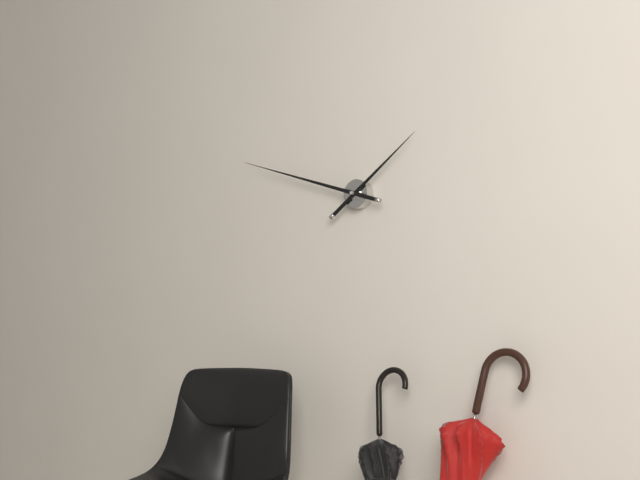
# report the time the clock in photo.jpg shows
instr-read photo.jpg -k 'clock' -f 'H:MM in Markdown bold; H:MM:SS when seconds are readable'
**1:48**
